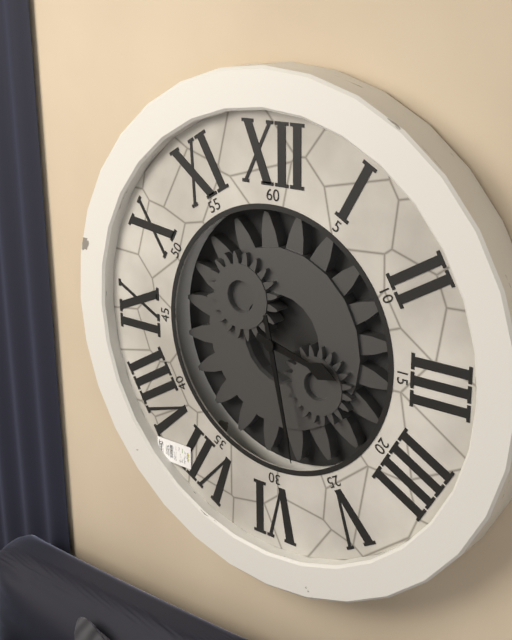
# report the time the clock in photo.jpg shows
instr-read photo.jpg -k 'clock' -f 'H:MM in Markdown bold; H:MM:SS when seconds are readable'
**3:28**
